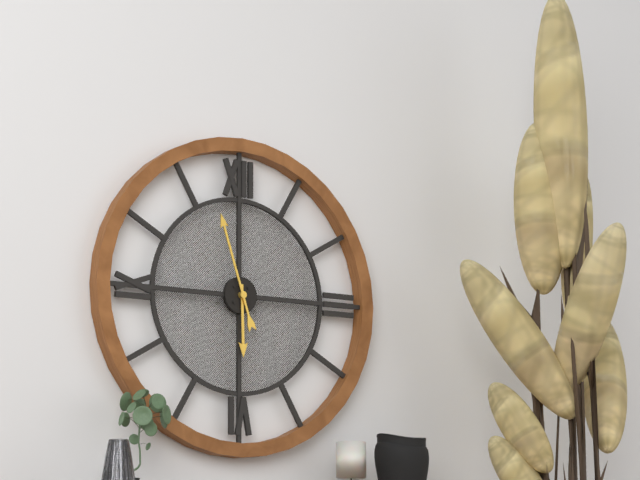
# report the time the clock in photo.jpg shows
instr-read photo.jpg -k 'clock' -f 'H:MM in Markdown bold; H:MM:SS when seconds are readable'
**5:57**
